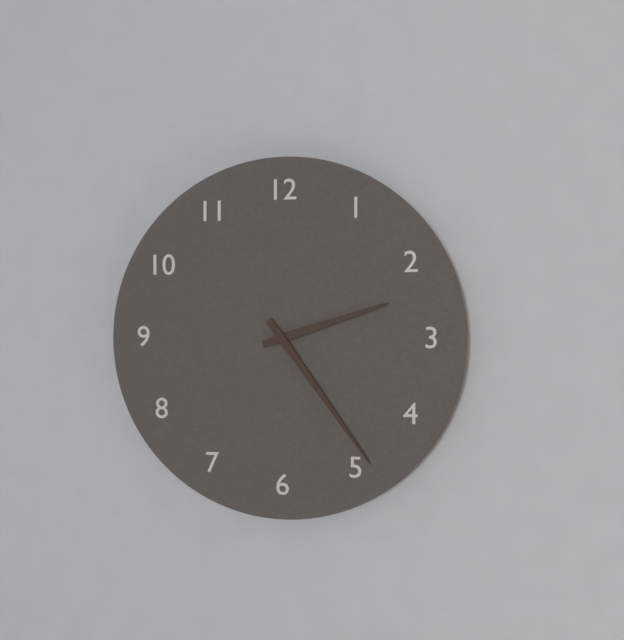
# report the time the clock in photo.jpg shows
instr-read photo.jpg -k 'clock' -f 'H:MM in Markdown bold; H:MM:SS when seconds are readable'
**2:24**
